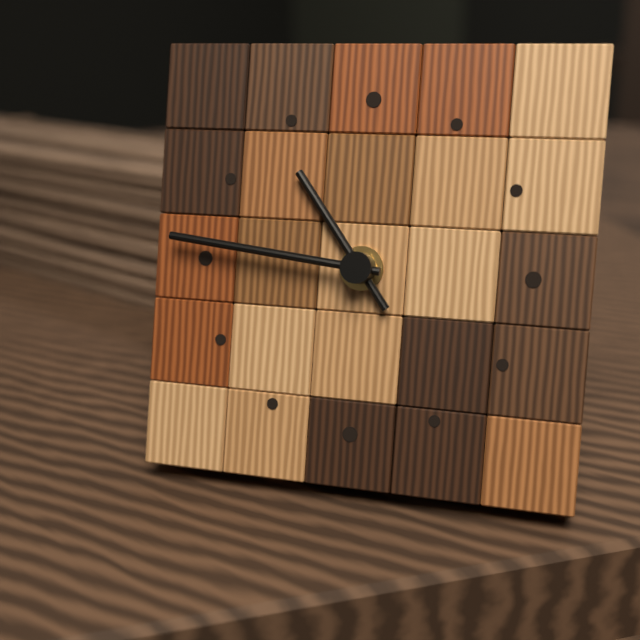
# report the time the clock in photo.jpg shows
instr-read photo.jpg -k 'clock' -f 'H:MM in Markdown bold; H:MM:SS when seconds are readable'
**10:46**
